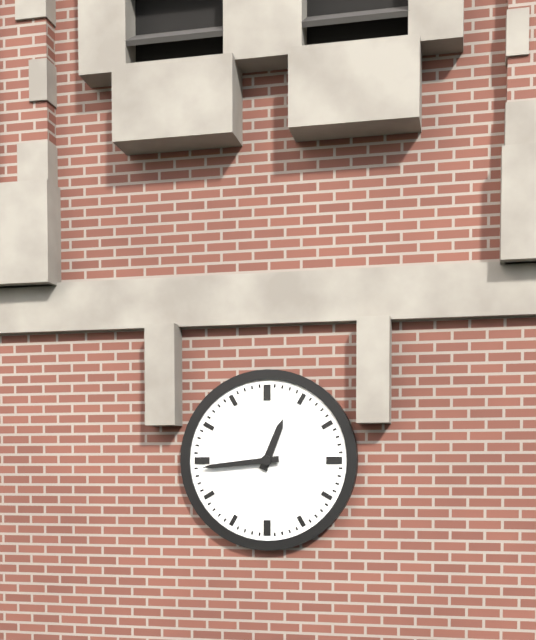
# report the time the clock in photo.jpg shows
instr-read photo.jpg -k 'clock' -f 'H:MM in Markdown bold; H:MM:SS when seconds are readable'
**12:44**
